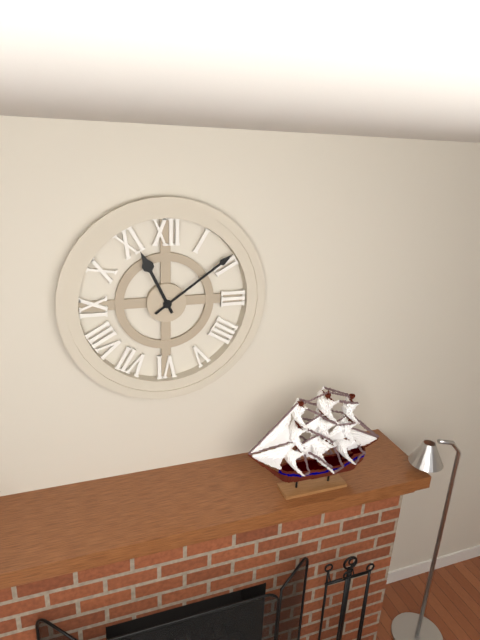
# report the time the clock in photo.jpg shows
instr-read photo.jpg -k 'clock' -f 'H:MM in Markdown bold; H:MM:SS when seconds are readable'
**11:09**
